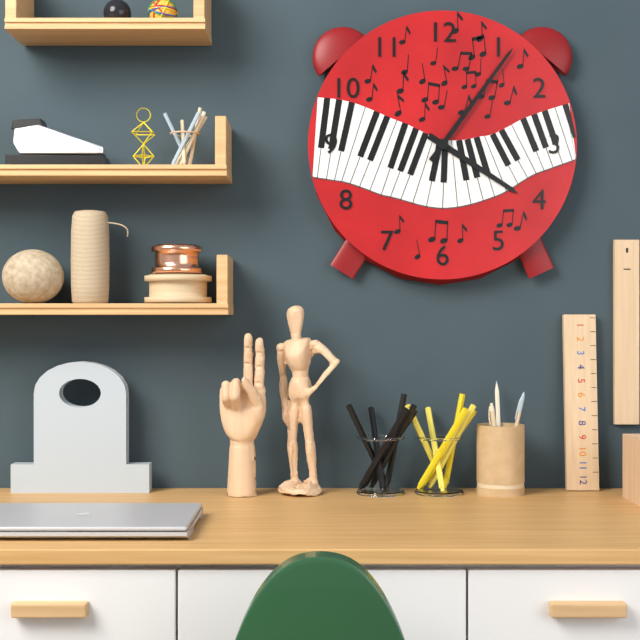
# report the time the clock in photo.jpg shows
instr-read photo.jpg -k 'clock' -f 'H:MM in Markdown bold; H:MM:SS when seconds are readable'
**4:06**
